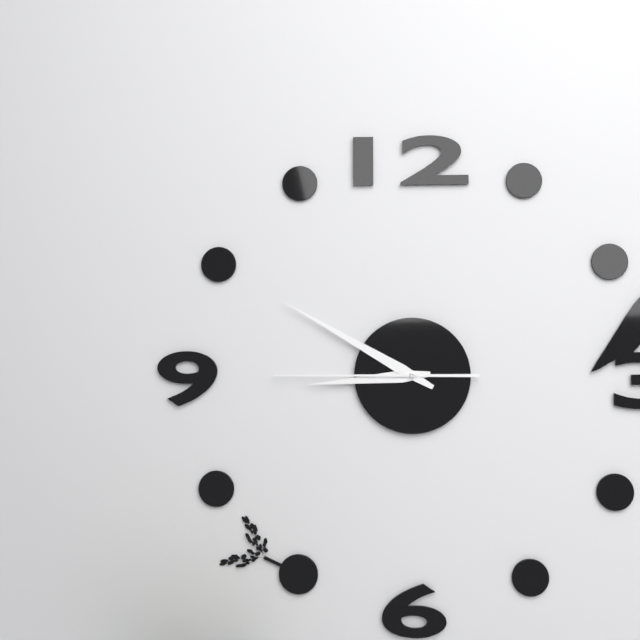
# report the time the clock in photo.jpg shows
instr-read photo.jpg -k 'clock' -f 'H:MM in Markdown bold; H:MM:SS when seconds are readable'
**8:50:45**
